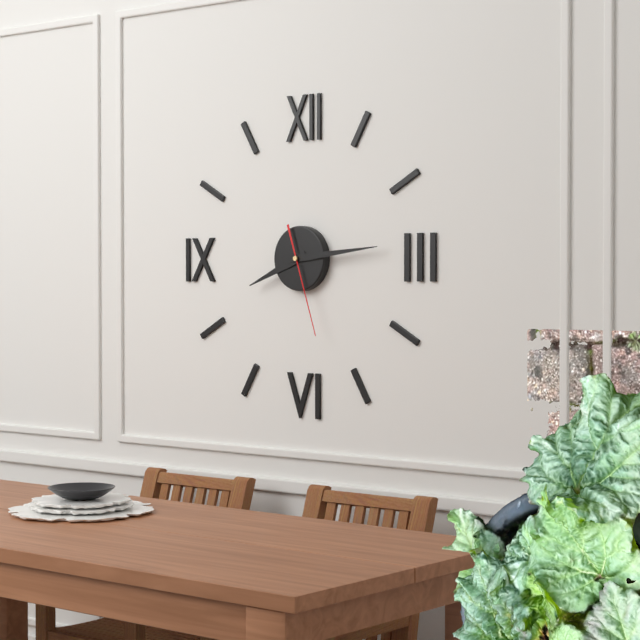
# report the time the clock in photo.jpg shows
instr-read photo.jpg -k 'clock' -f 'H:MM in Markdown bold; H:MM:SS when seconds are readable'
**8:14:27**
